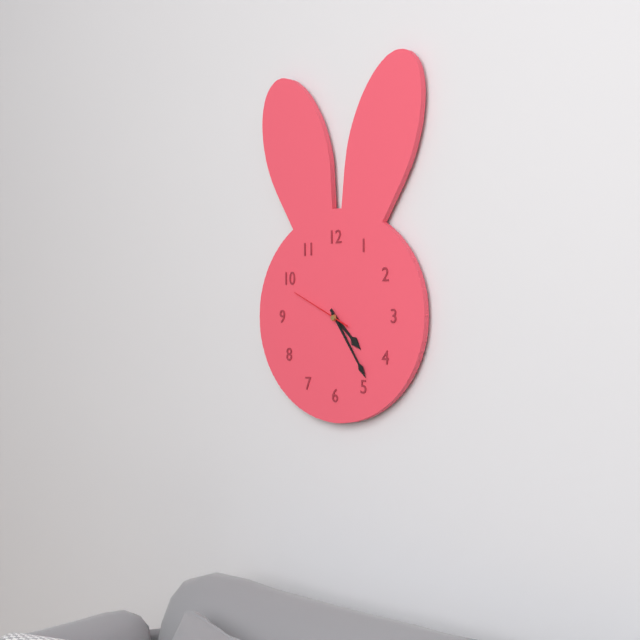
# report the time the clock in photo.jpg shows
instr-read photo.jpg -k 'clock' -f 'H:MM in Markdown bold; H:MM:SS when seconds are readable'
**4:24:49**
